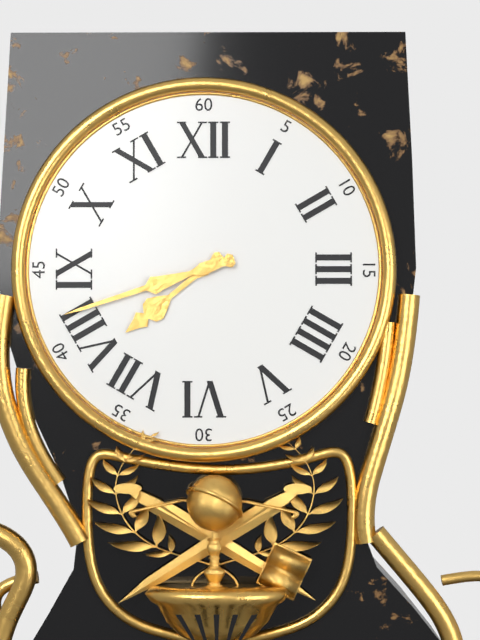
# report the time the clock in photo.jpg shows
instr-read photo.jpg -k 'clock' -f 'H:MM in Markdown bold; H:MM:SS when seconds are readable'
**7:42**
